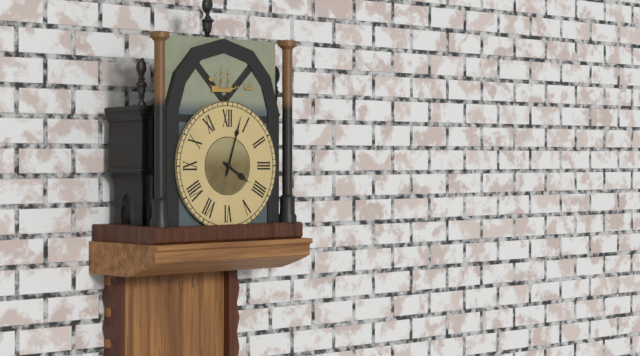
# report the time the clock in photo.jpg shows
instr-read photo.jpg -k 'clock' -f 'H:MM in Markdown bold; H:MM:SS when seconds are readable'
**4:03**
